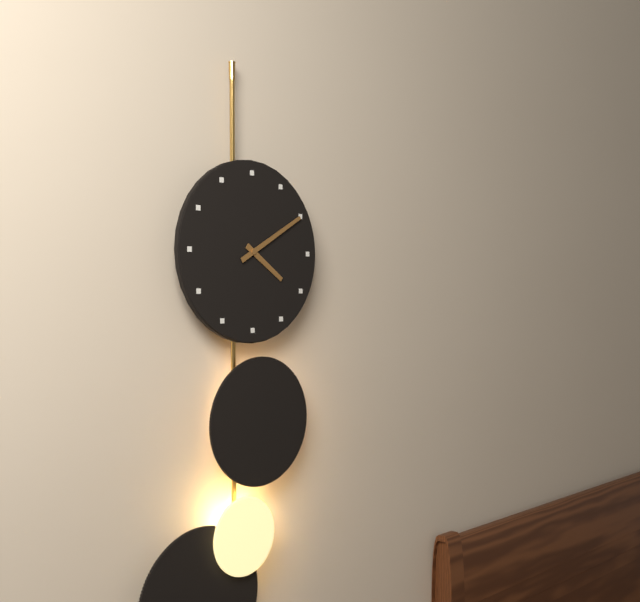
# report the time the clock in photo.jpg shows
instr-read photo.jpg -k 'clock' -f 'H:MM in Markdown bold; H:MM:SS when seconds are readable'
**4:10**
